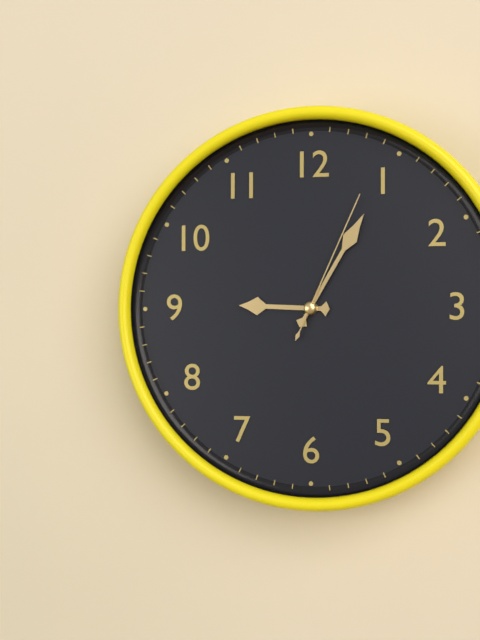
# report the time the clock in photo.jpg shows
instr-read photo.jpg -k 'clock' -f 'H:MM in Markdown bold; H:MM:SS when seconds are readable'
**9:05:04**
